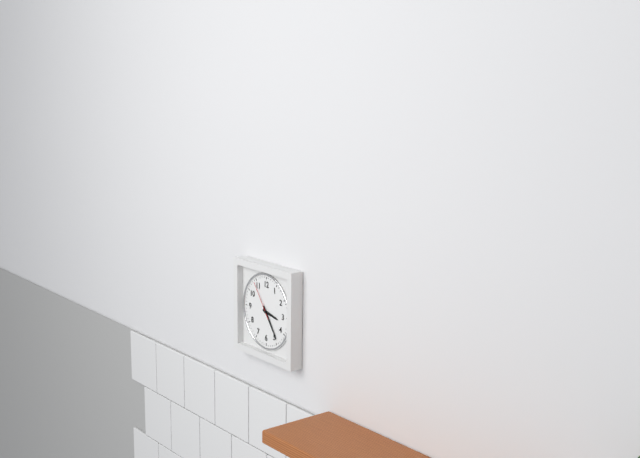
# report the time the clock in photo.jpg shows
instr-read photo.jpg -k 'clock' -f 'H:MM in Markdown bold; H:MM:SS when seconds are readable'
**3:24**
